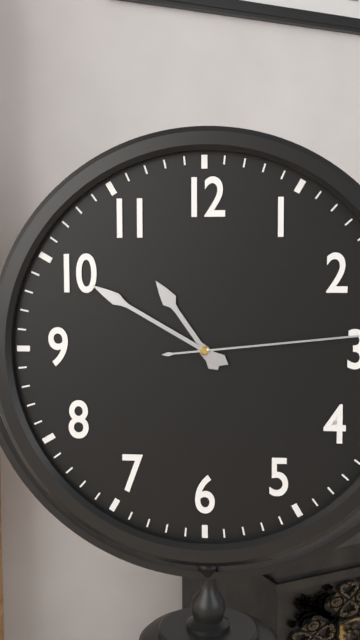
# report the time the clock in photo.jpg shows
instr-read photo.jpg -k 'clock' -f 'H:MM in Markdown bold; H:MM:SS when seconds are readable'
**10:50**
